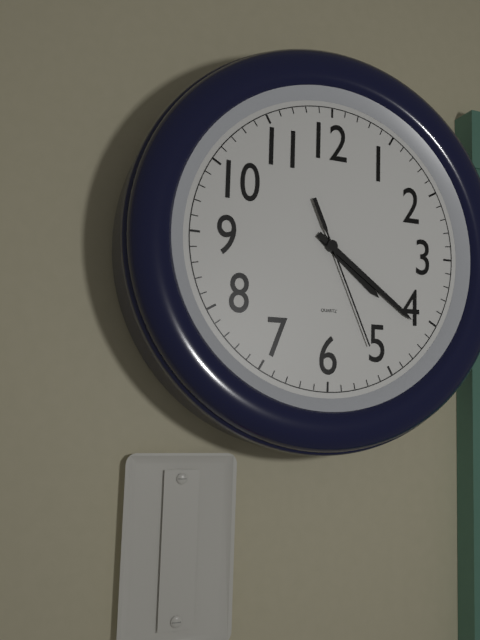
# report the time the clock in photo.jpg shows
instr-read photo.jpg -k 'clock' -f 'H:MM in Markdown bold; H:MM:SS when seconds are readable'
**4:21:26**
